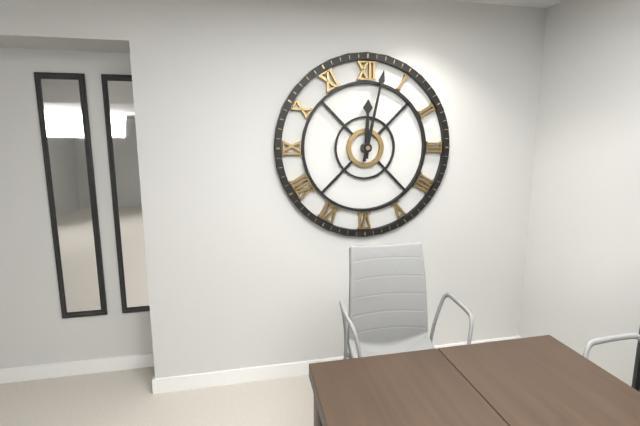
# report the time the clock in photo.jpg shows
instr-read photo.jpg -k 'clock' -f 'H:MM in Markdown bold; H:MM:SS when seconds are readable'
**12:02**
